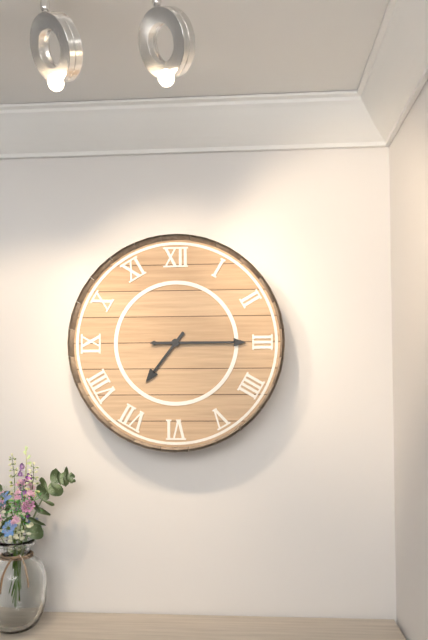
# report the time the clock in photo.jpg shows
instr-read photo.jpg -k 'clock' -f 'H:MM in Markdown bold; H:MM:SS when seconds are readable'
**7:15**
